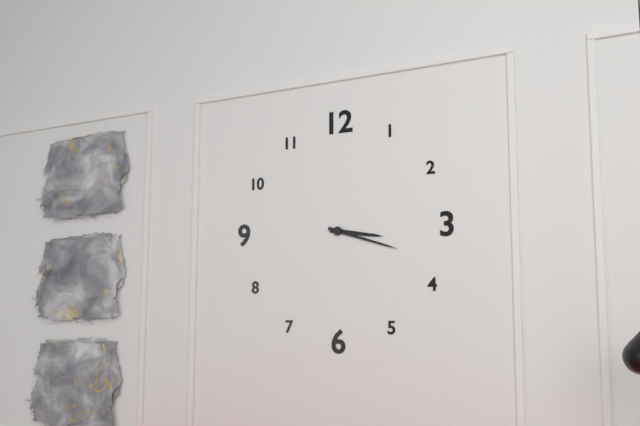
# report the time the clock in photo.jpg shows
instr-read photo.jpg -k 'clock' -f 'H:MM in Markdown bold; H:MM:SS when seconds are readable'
**3:18**
